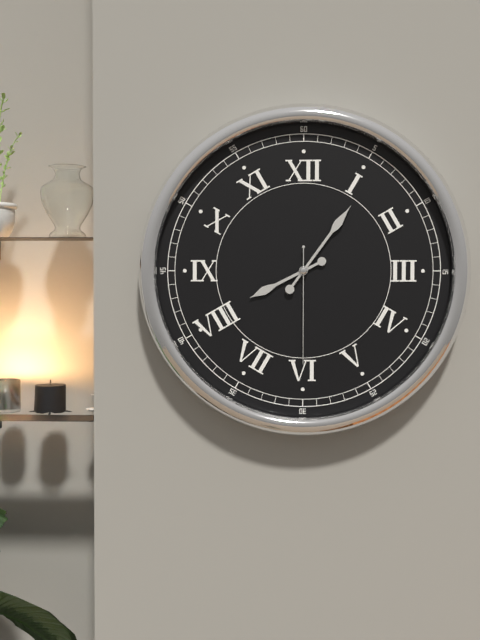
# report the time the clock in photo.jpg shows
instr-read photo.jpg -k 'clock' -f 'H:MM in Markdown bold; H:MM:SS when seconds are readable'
**8:06:30**
